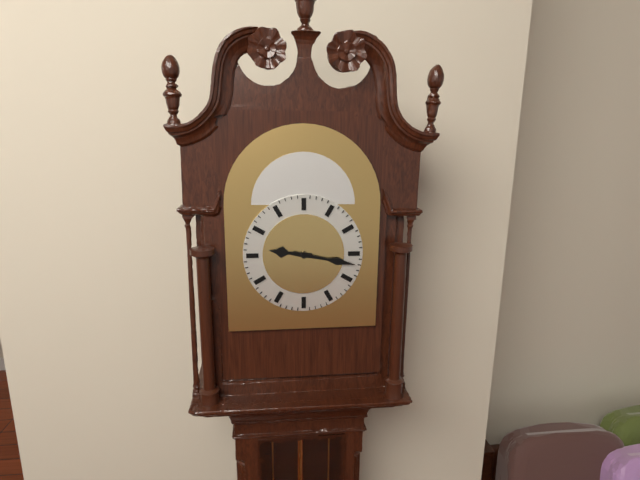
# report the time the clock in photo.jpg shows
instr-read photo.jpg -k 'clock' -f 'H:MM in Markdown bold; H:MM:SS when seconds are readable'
**9:17**
